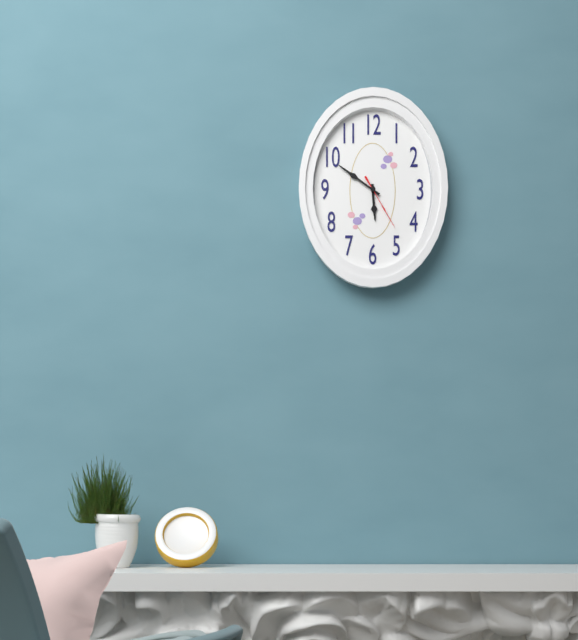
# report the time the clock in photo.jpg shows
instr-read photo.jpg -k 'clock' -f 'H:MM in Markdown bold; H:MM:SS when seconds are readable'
**5:51:25**
